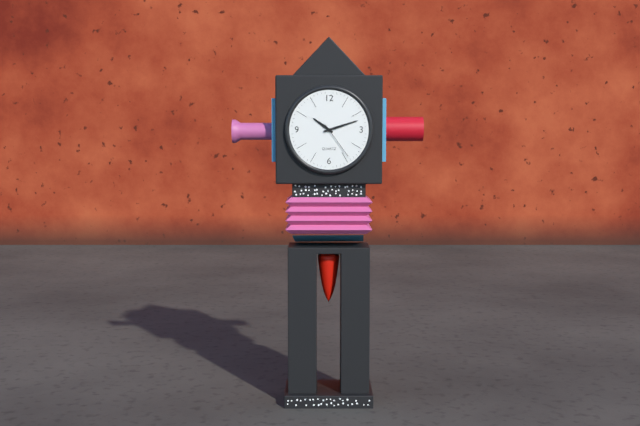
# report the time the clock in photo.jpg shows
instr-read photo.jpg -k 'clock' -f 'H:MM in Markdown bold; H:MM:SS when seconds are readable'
**10:12**
